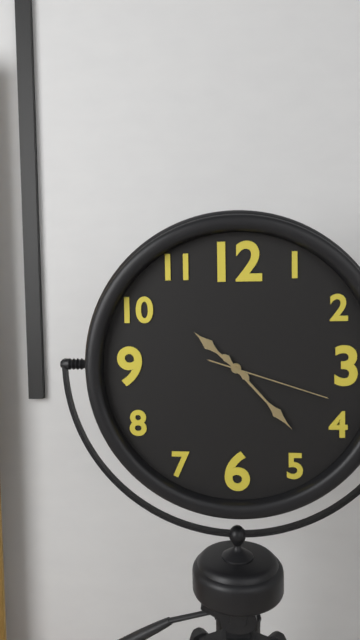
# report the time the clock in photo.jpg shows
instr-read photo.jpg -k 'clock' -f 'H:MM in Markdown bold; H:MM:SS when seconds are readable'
**10:23:18**
